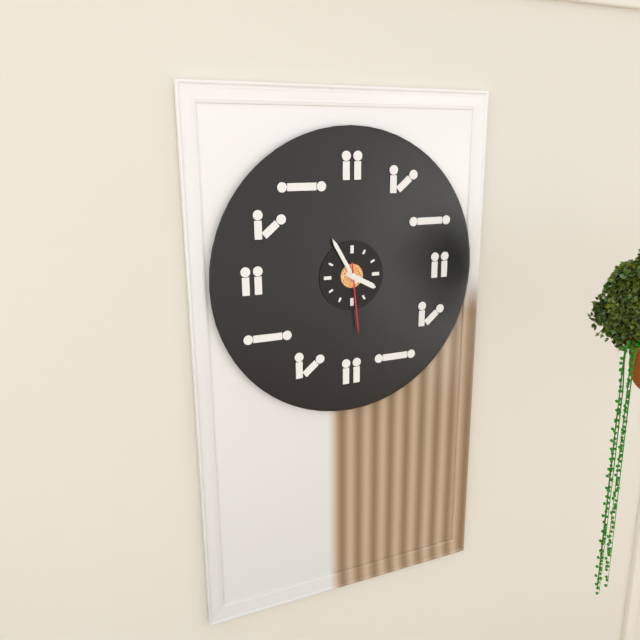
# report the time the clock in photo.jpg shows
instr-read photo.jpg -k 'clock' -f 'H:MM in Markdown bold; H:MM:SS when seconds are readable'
**3:55:29**
